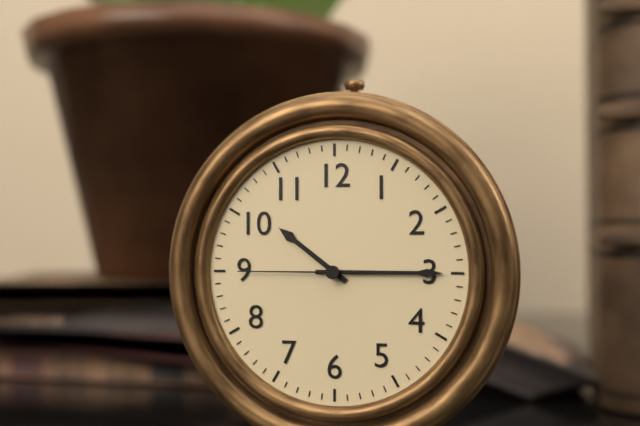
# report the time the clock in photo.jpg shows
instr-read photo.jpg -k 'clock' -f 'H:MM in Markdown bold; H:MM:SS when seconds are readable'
**10:15:45**
